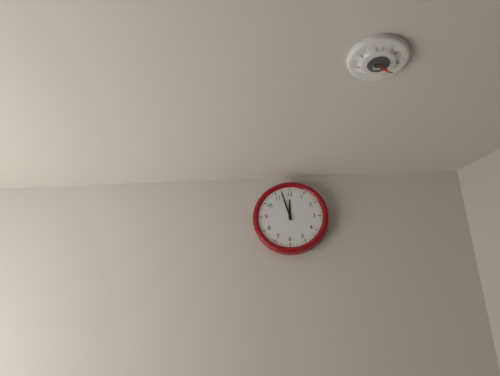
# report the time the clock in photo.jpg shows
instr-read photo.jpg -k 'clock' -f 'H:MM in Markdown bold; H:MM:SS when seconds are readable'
**11:57**
